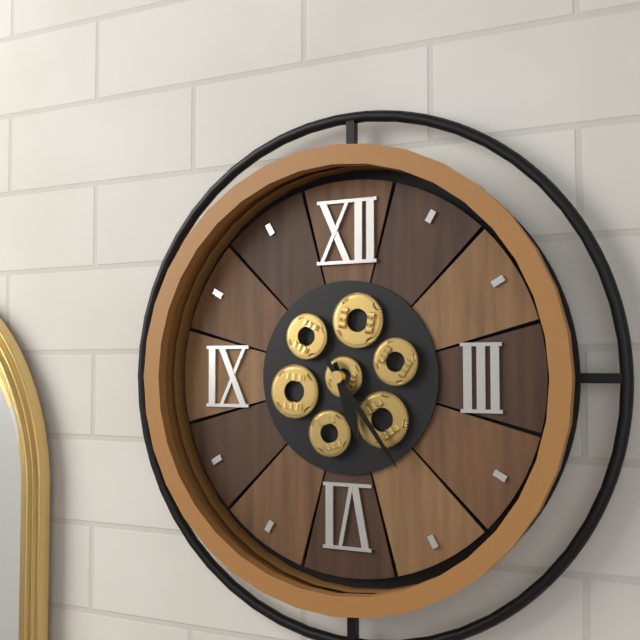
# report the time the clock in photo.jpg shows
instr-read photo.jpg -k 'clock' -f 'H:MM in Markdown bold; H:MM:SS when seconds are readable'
**5:24**
